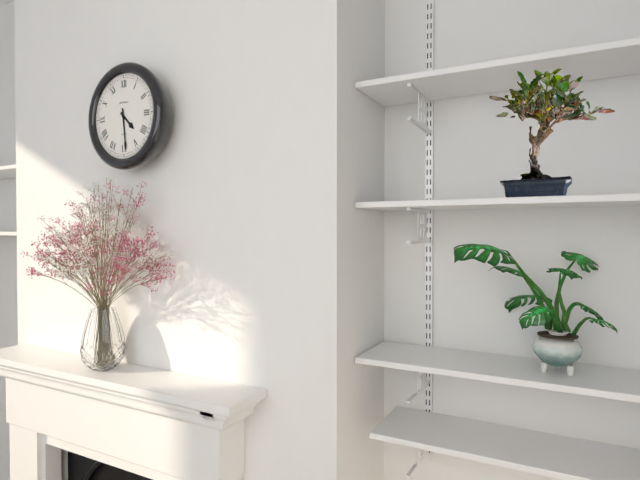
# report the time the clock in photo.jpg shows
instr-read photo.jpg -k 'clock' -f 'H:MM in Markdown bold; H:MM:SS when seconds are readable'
**4:29**
